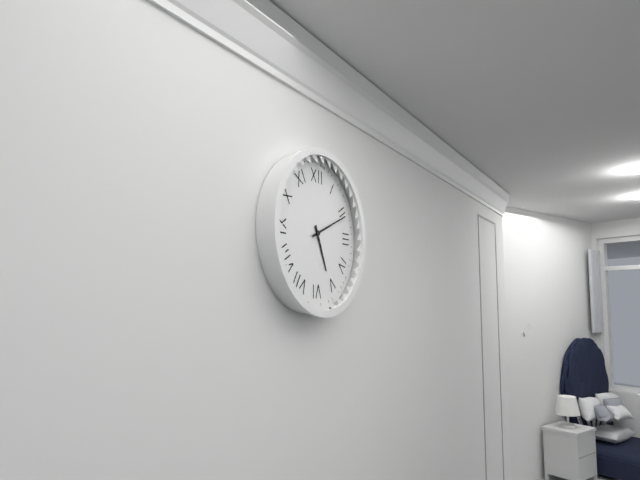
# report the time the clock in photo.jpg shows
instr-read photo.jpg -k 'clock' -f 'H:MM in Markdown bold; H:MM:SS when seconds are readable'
**5:11**
